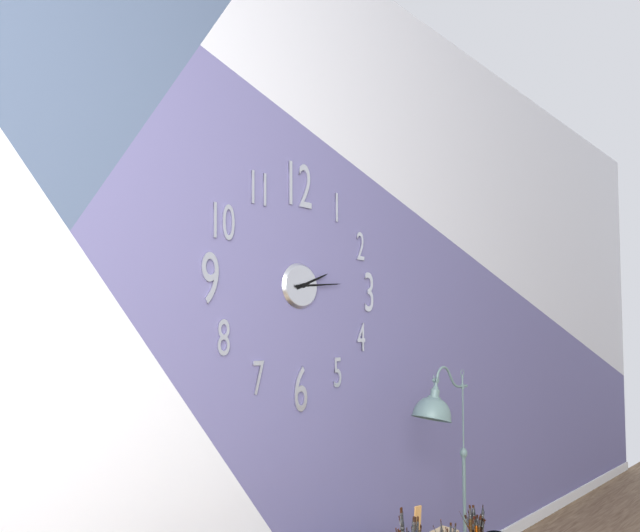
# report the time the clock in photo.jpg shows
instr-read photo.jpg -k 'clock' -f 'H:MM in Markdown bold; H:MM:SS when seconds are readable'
**2:14**
